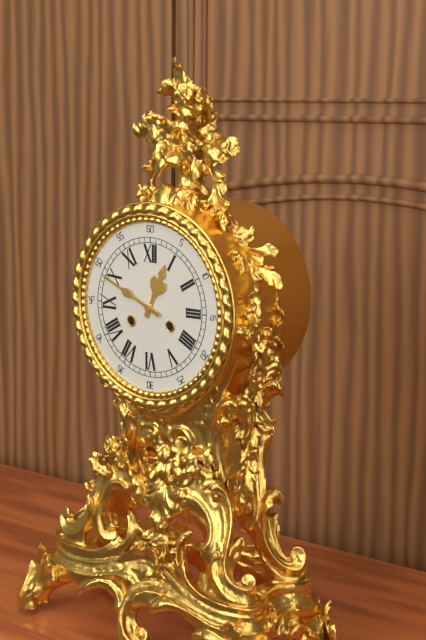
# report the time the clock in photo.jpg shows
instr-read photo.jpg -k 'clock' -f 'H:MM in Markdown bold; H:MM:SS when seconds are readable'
**12:49**
